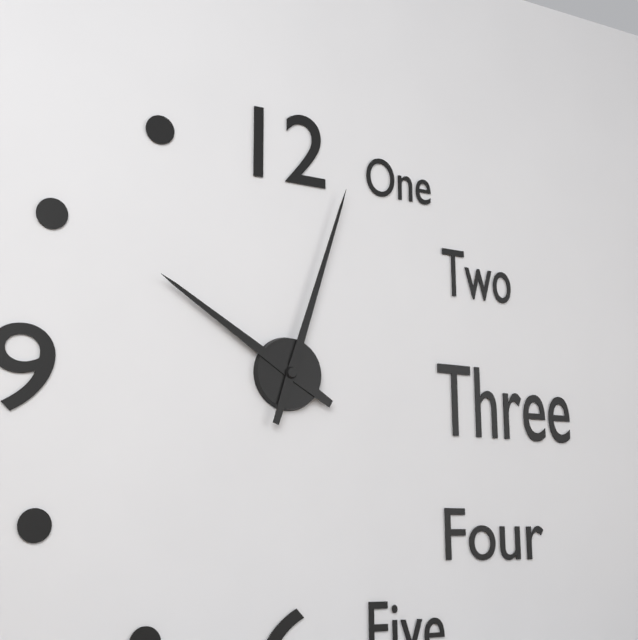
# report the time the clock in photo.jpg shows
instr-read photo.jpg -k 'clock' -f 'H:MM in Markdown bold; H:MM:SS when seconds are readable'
**10:03**
